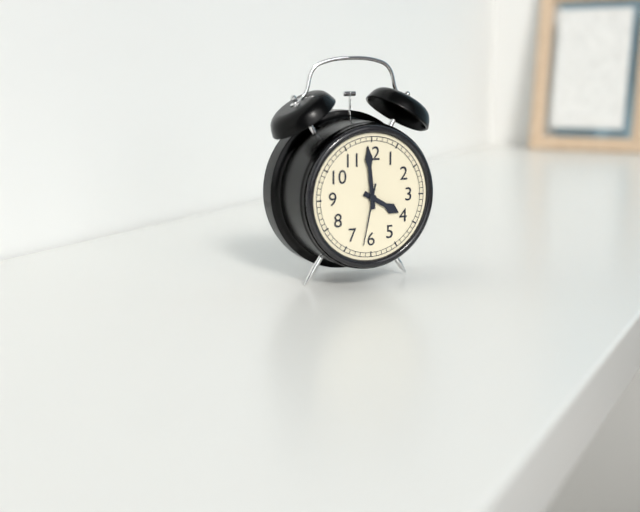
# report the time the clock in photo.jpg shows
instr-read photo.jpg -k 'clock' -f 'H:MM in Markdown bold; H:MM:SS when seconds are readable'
**3:59:32**
